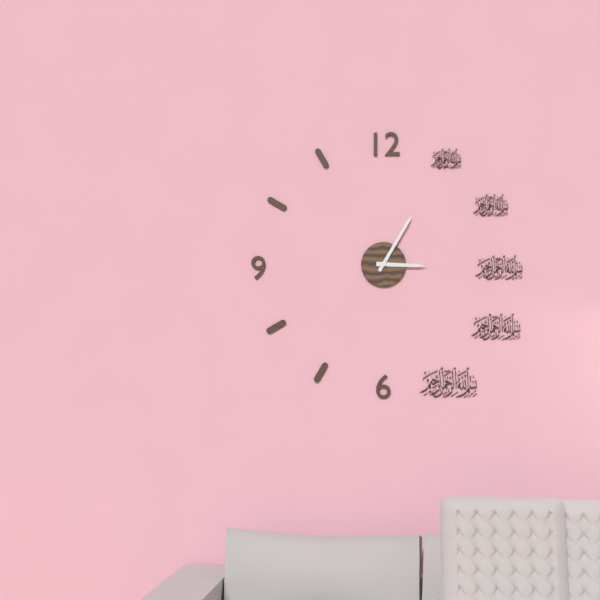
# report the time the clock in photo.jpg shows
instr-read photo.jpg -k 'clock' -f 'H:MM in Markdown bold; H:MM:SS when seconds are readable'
**3:05**
